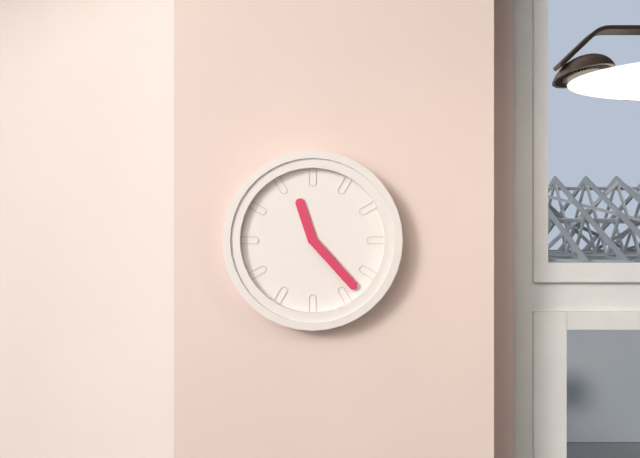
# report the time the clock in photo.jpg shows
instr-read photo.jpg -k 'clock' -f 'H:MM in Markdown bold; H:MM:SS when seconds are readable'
**11:23**
